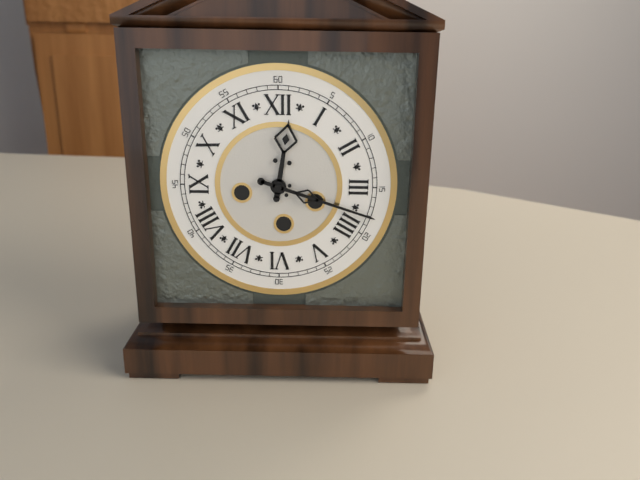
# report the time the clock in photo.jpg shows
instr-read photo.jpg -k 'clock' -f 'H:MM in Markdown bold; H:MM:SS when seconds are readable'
**12:18**
